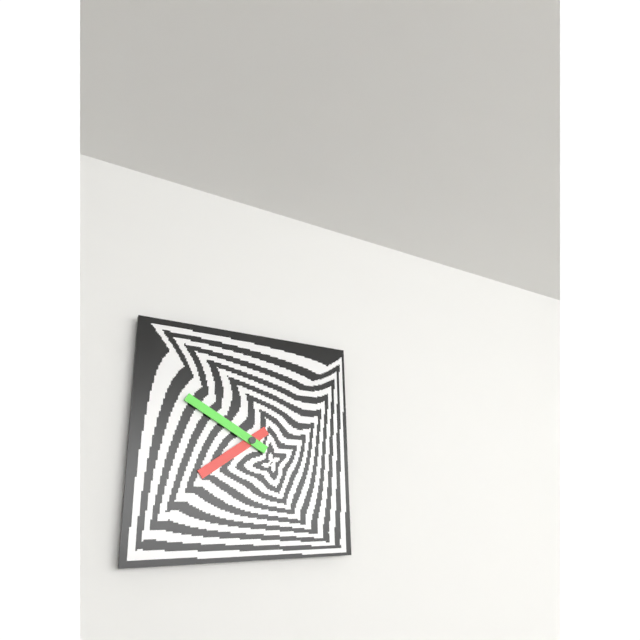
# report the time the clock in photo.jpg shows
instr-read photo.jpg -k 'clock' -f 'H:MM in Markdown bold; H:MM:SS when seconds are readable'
**7:50**
